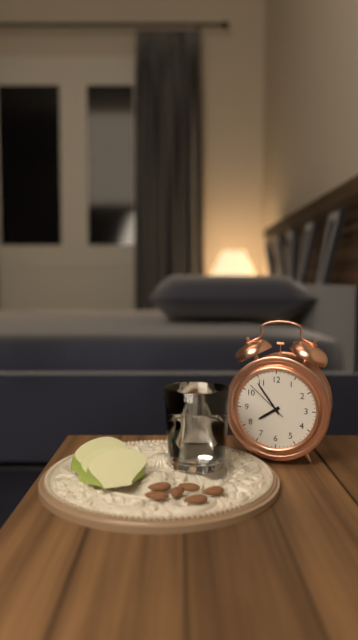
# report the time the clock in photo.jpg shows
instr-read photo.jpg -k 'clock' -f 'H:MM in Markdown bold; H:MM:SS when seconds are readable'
**7:54**
